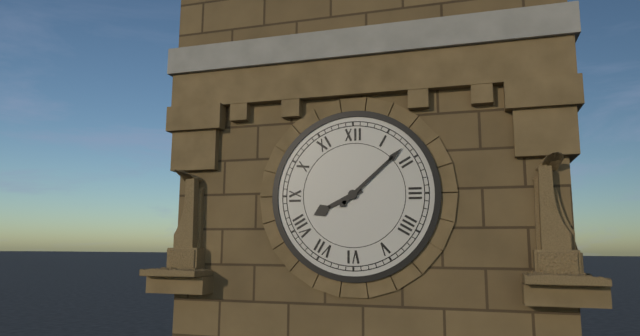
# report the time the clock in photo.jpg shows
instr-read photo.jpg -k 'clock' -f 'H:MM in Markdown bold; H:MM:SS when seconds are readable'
**8:08**
